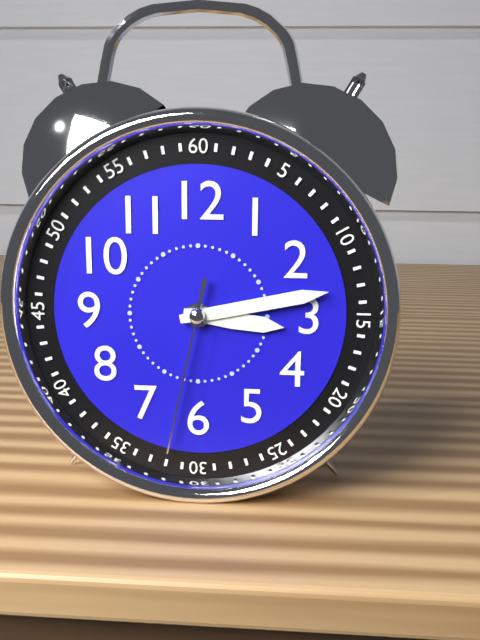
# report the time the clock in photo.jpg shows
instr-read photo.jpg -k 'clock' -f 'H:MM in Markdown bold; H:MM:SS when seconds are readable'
**3:13:32**
